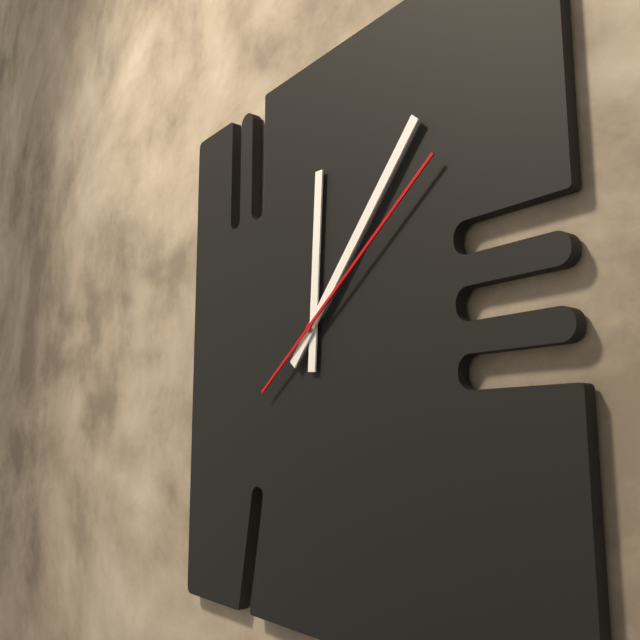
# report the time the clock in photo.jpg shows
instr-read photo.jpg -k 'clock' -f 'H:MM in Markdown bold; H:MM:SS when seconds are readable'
**12:07:09**
